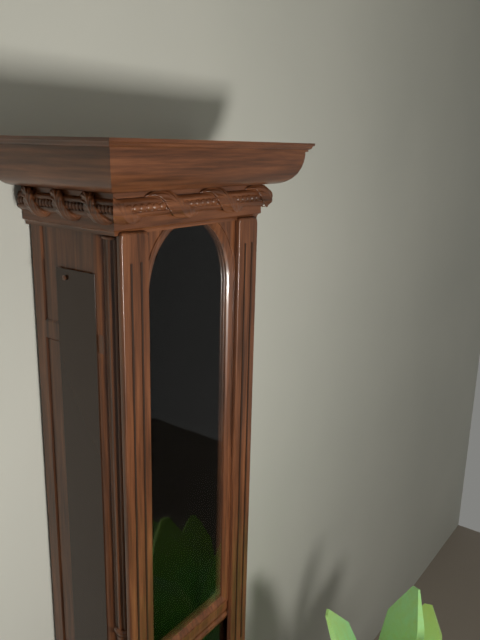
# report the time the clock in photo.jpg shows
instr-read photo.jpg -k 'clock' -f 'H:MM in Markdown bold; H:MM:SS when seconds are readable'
**4:56**
